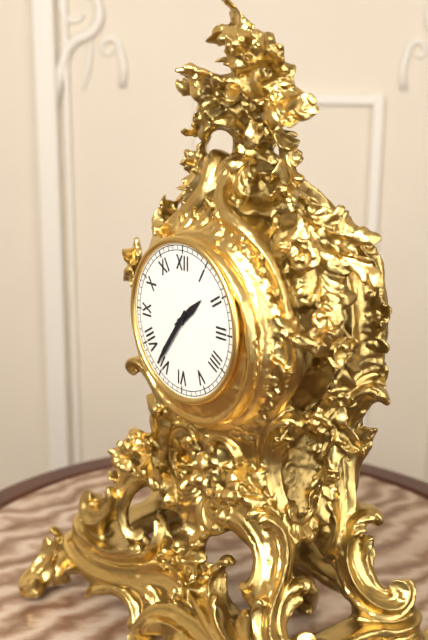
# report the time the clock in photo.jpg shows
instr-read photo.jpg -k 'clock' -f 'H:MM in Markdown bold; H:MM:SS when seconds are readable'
**1:36**
